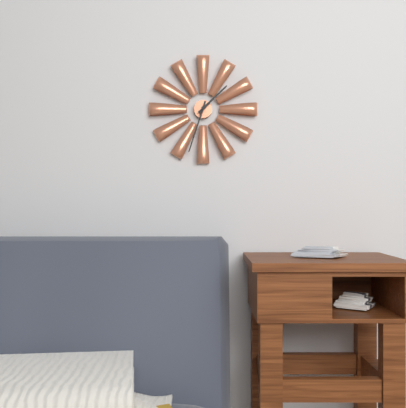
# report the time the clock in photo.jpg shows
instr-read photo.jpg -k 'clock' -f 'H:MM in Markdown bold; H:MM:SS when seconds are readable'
**1:33**
